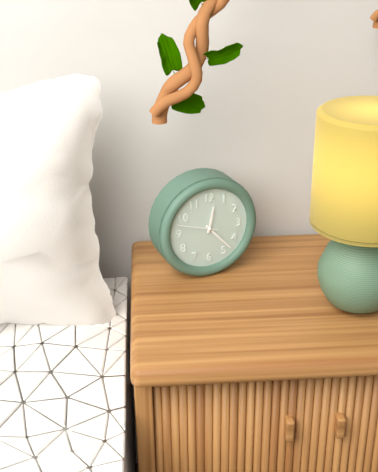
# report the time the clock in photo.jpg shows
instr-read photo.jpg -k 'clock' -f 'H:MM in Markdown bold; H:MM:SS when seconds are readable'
**12:23**
